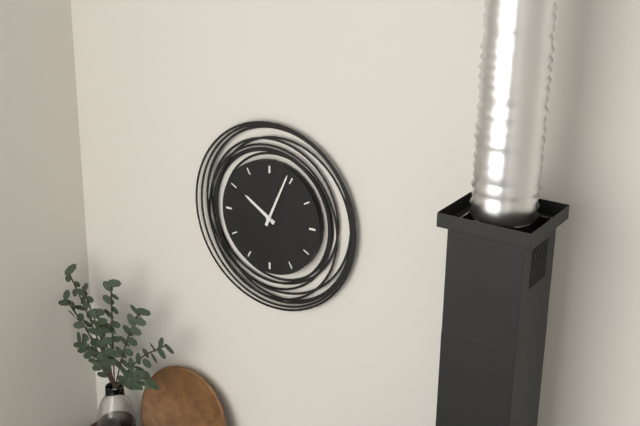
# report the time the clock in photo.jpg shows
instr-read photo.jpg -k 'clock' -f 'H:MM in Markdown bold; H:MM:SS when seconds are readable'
**10:04**
